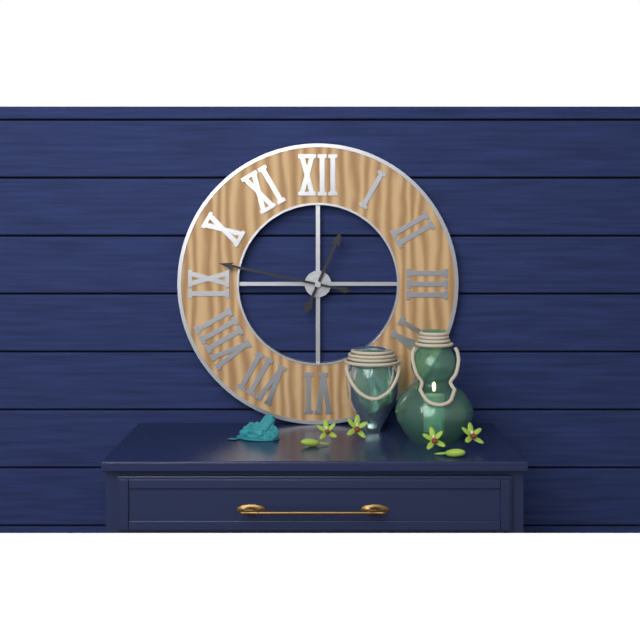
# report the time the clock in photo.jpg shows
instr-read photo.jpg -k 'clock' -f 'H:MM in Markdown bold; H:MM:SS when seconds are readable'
**12:47**
